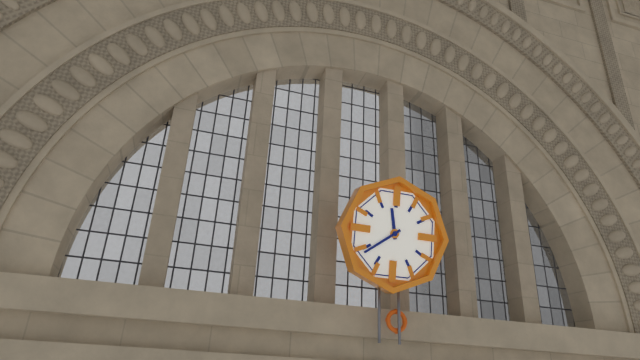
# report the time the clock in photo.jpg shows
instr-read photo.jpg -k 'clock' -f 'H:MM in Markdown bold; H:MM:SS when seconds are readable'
**11:39**
